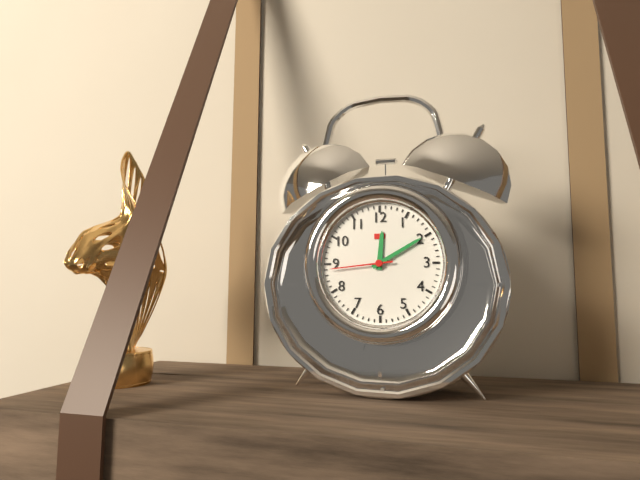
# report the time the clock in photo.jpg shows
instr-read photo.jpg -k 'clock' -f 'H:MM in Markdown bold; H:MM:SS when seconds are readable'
**12:10:44**
